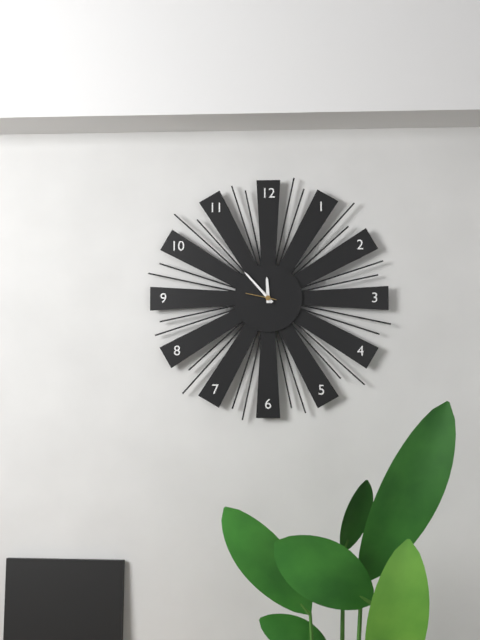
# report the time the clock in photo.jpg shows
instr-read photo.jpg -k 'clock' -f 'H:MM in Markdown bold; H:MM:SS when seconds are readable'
**11:53**
